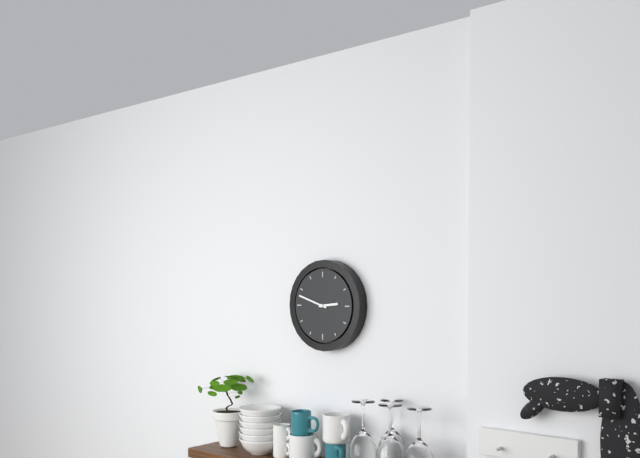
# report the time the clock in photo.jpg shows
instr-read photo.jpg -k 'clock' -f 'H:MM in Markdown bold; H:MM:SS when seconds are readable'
**2:48**
